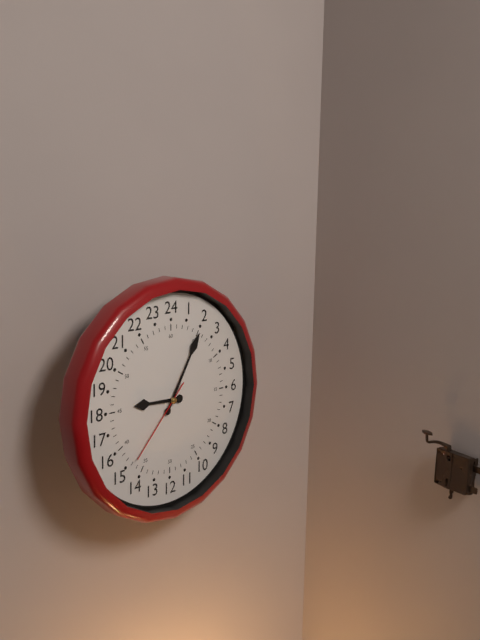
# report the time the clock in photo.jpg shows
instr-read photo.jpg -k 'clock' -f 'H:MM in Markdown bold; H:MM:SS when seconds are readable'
**9:05:37**
